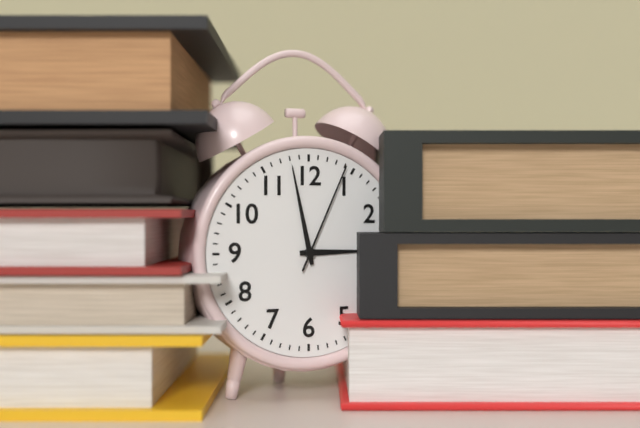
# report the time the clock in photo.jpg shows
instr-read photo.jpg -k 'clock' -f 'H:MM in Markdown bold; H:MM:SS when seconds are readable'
**2:58:04**
